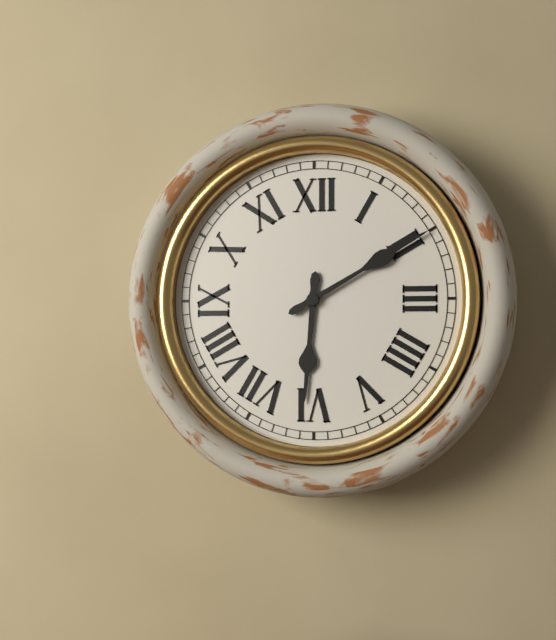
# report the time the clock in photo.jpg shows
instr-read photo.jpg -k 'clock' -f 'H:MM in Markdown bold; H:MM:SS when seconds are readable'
**6:10**
